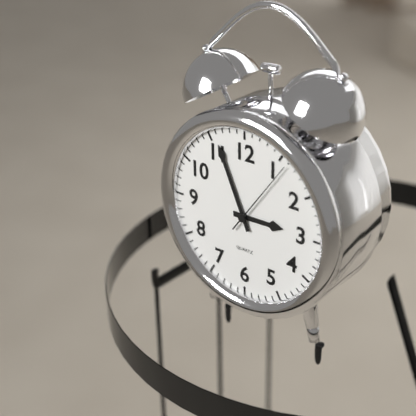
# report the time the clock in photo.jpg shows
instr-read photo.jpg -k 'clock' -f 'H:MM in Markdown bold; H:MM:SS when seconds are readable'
**2:56:06**
